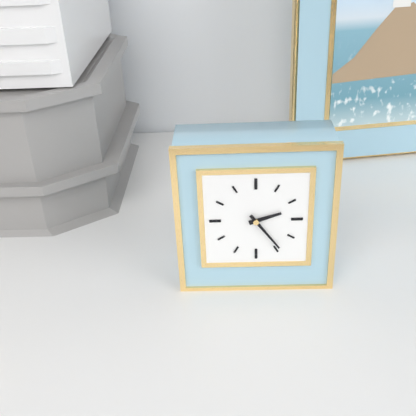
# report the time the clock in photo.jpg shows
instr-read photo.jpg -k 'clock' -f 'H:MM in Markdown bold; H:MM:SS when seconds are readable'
**2:24**
